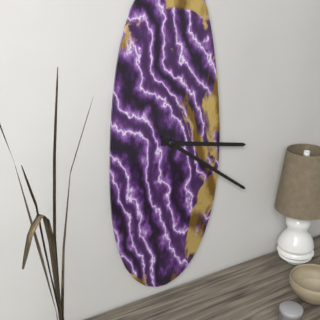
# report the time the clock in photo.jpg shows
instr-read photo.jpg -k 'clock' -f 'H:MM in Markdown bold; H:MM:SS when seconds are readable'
**3:21**
